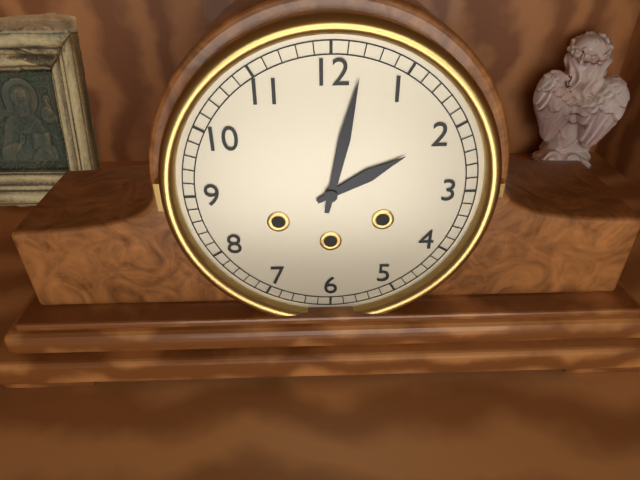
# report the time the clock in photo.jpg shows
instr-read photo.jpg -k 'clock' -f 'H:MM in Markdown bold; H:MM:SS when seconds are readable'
**2:02**
